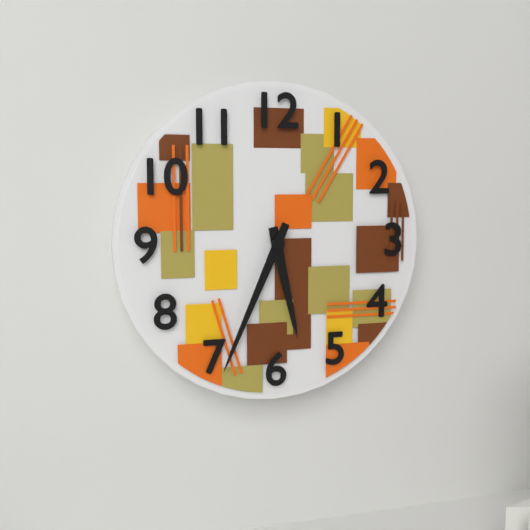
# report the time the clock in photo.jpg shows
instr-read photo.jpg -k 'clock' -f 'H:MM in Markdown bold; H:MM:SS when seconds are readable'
**5:34**
